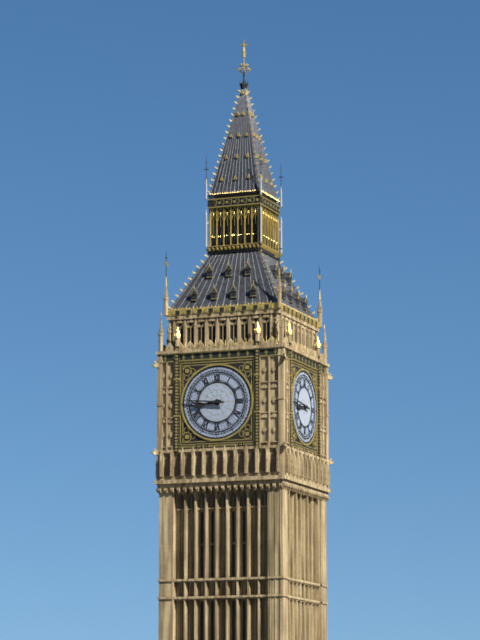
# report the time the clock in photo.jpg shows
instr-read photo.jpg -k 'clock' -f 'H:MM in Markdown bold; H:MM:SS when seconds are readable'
**8:46**
